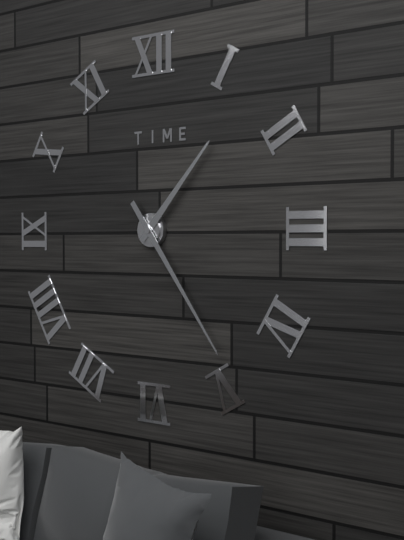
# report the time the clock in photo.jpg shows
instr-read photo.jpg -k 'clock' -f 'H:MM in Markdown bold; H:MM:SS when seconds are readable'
**1:24**
